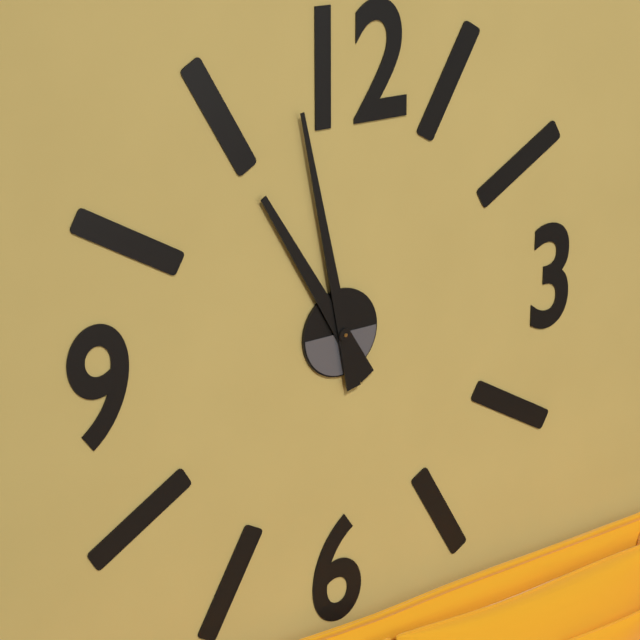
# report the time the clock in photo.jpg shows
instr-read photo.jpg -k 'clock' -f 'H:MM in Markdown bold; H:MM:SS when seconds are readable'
**10:58**
